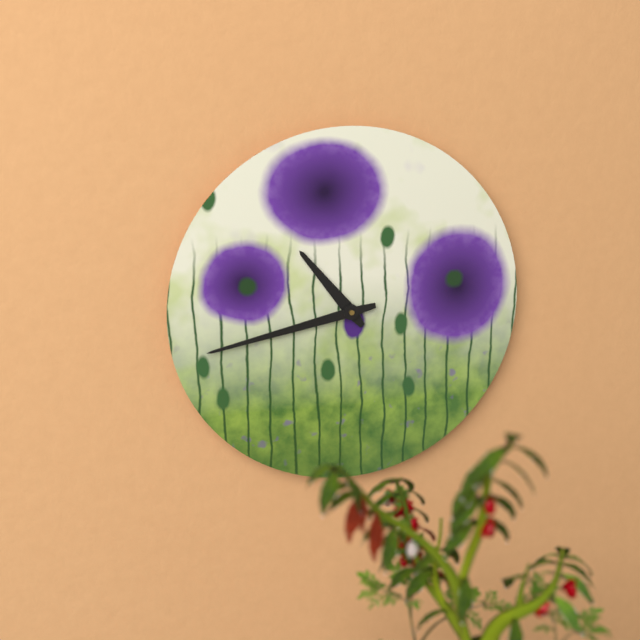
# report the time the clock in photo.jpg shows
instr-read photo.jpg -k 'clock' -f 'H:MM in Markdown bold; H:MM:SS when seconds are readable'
**10:43**
